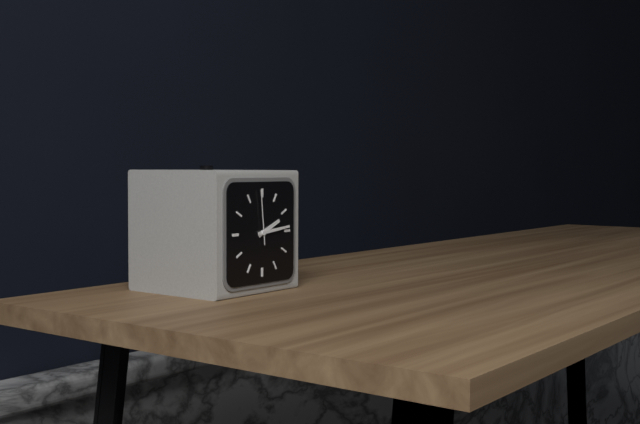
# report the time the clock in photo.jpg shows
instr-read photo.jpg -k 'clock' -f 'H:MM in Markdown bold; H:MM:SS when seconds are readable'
**2:14:59**
